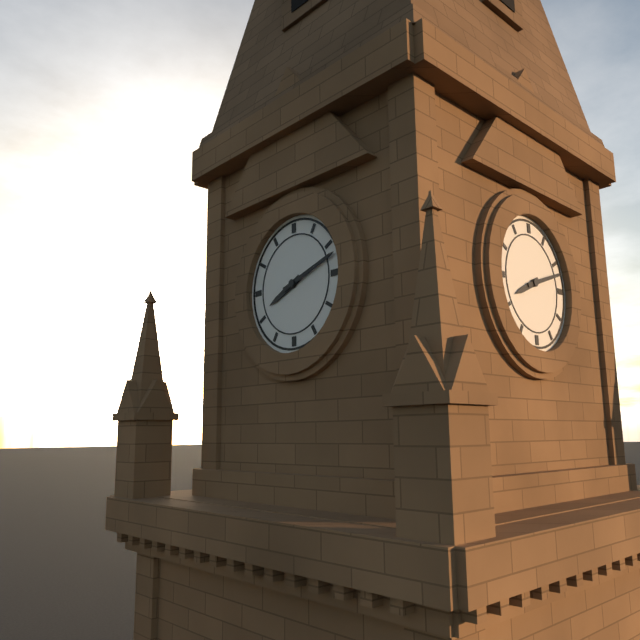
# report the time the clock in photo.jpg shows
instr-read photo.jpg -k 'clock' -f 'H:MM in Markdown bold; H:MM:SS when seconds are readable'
**8:12**
